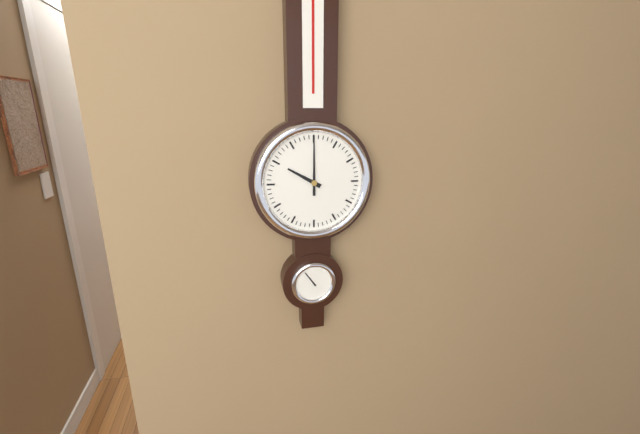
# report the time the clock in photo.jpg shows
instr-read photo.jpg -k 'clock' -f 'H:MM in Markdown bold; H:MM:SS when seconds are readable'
**10:00**
